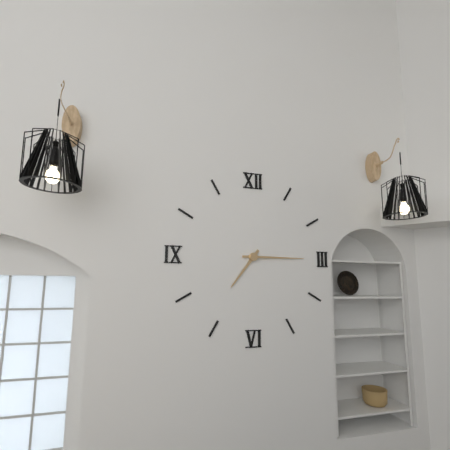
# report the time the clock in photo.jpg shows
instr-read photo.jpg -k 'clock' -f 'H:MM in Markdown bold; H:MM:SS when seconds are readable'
**7:15**
